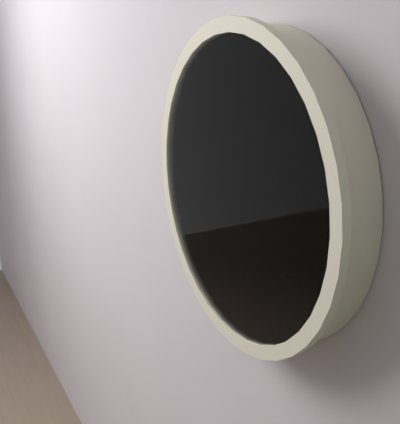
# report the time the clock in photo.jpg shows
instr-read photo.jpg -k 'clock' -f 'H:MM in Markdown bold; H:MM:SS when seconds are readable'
**9:56:30**
